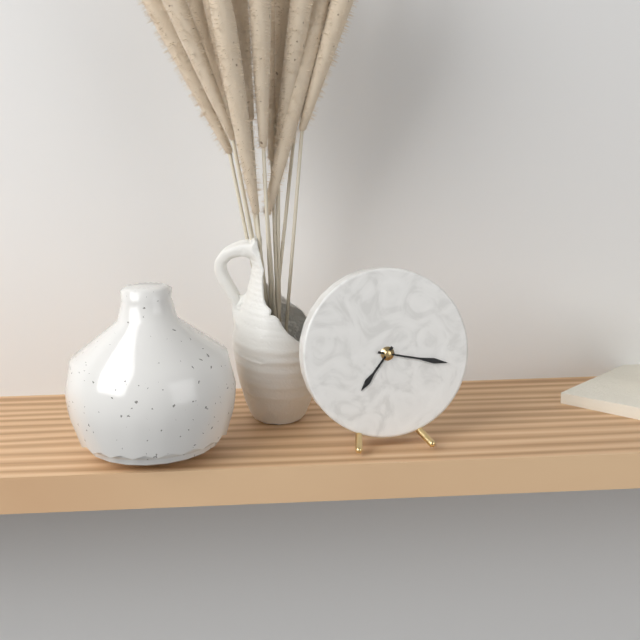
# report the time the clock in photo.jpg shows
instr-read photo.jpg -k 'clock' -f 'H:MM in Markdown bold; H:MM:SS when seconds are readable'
**7:17**
